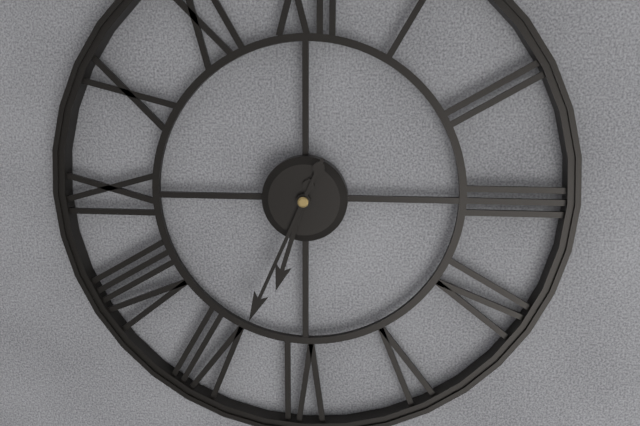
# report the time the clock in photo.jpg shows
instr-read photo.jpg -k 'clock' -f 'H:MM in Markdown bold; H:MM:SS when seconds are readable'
**6:34**
